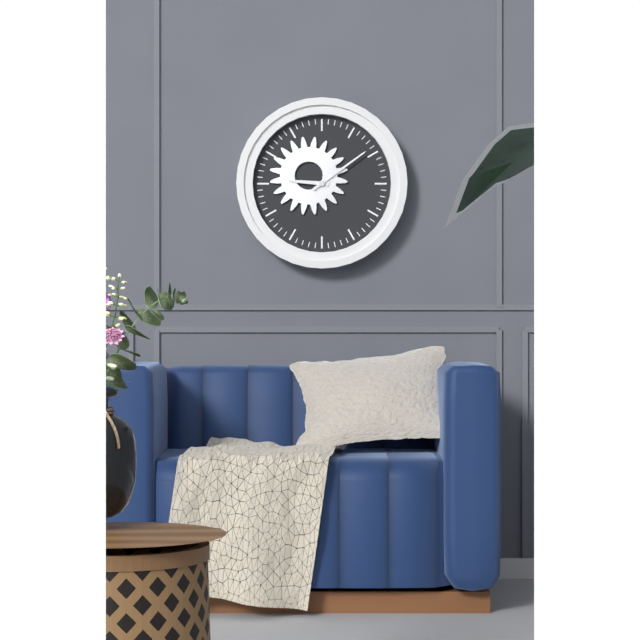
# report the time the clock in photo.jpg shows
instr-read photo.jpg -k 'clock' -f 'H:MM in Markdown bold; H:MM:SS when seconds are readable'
**9:09**
